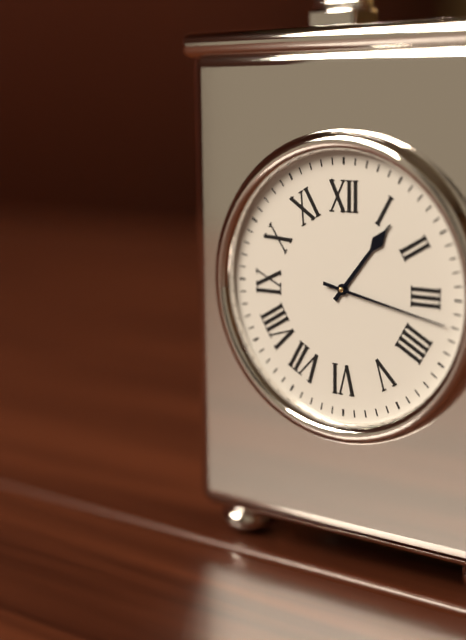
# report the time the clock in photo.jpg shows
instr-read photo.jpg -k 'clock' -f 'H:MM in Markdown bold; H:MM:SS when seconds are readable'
**1:17**
